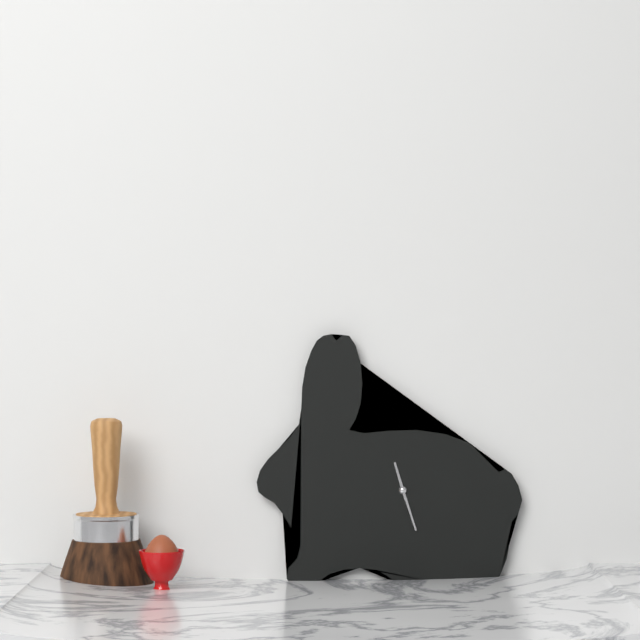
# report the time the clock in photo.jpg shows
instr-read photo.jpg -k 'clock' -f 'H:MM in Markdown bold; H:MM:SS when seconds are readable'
**11:27**
